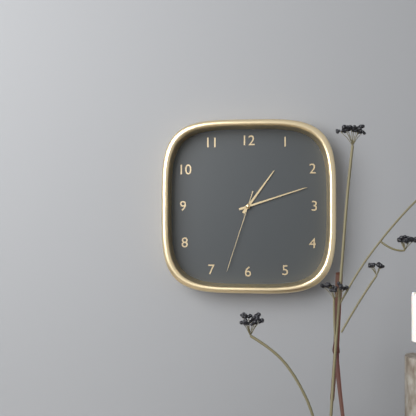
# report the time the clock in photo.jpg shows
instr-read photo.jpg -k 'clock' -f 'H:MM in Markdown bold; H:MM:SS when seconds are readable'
**1:12:33**
